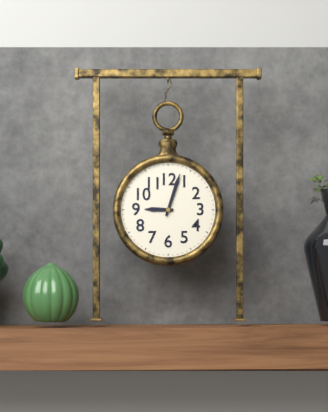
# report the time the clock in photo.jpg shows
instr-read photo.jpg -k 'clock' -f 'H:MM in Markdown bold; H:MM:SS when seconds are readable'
**9:03**
